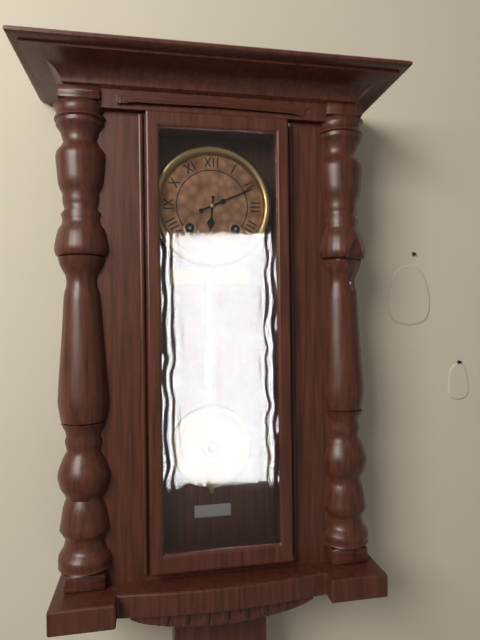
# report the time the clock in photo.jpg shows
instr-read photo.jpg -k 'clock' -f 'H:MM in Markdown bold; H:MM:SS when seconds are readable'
**6:11**
